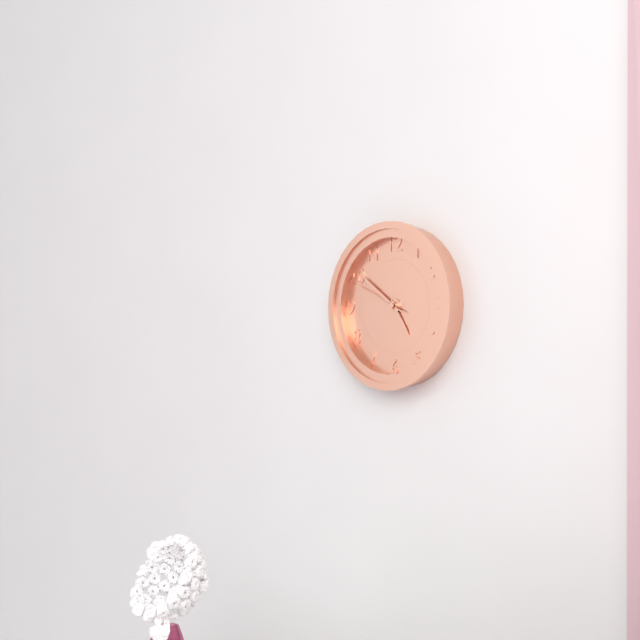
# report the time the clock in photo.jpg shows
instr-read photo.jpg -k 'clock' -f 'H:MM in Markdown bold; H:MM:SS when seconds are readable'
**4:51:49**
